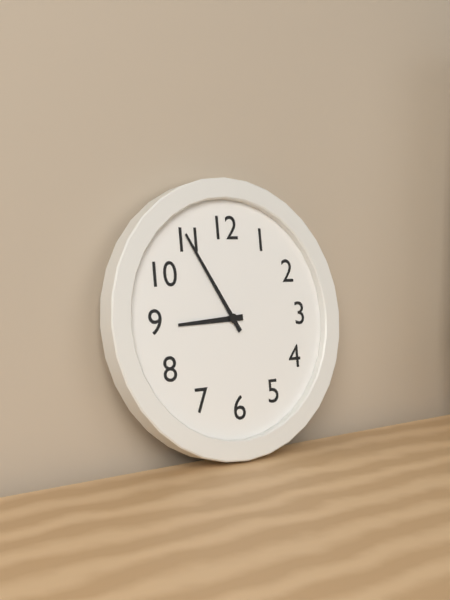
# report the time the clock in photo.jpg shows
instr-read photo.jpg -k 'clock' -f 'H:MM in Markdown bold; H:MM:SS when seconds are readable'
**8:55**
